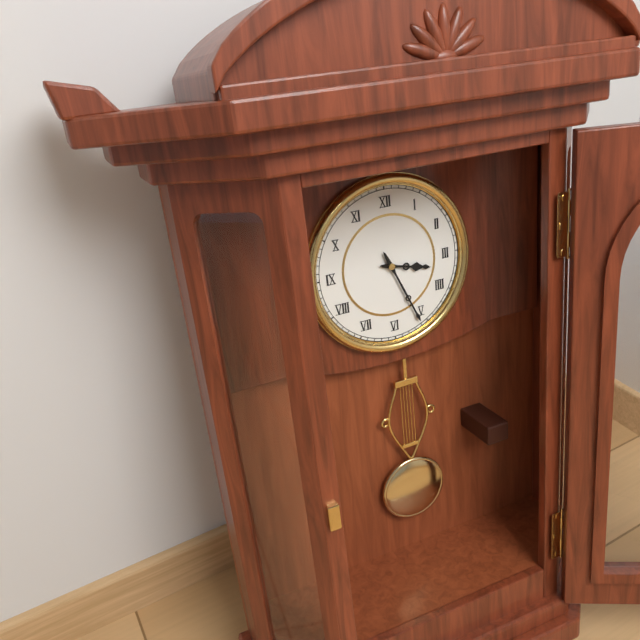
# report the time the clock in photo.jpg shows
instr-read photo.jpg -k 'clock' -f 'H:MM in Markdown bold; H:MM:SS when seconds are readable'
**3:26**
